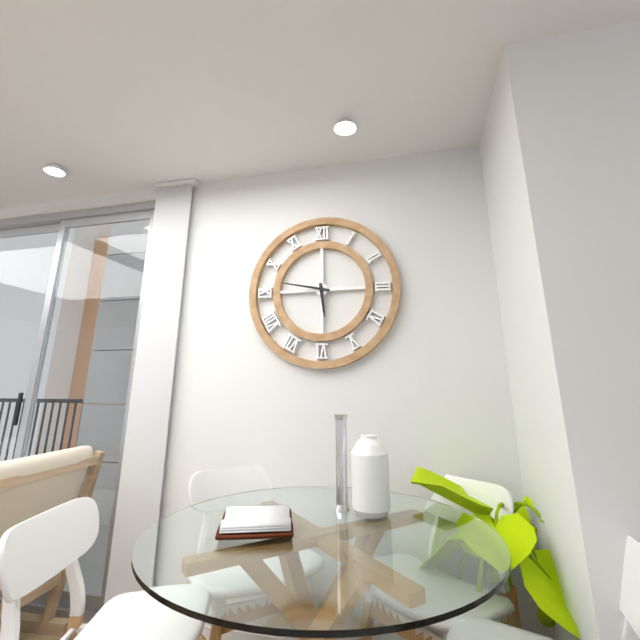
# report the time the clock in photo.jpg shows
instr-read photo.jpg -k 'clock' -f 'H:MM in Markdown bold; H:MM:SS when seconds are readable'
**5:47**
